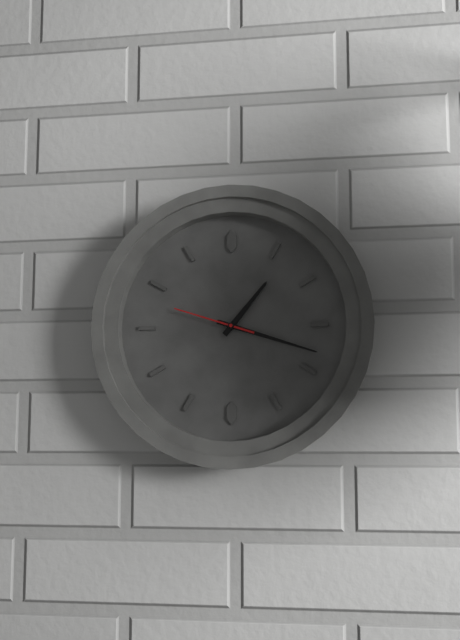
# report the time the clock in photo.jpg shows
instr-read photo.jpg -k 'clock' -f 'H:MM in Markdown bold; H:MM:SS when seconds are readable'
**1:18:48**
